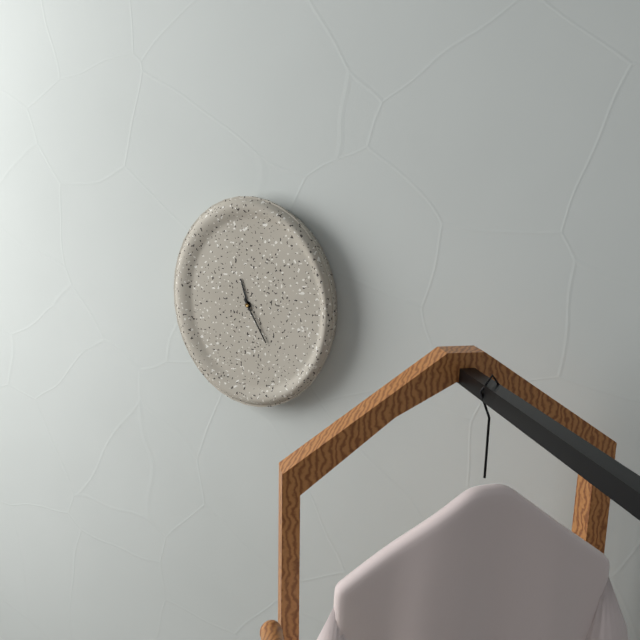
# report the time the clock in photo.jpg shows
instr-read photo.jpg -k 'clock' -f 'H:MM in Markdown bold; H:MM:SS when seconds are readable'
**11:25**
